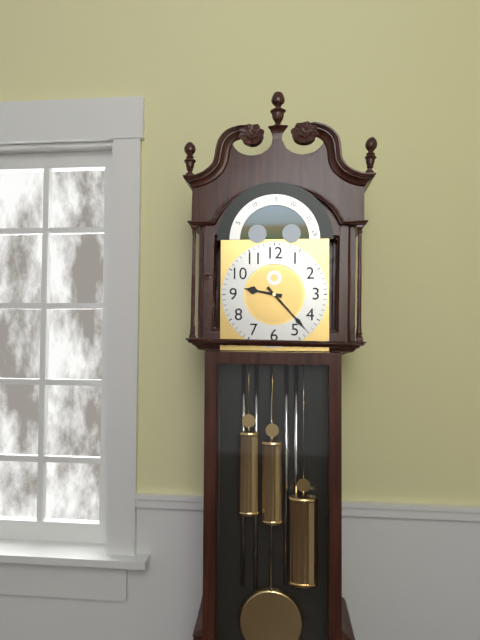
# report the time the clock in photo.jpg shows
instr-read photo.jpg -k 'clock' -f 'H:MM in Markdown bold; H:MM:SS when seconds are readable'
**9:23**
